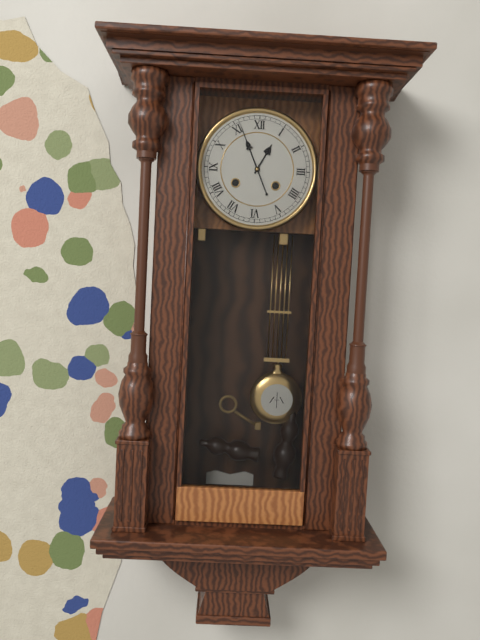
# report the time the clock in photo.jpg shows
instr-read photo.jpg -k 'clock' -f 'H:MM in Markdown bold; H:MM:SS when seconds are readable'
**12:56**
